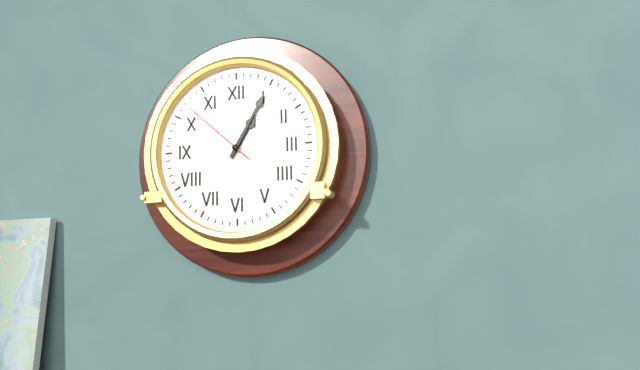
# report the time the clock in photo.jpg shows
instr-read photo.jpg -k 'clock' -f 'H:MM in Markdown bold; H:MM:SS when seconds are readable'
**1:05:52**
